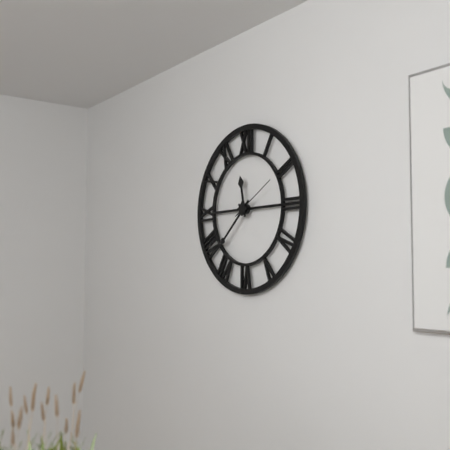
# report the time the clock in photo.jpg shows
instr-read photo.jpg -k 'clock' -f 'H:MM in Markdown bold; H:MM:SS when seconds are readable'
**11:38**
